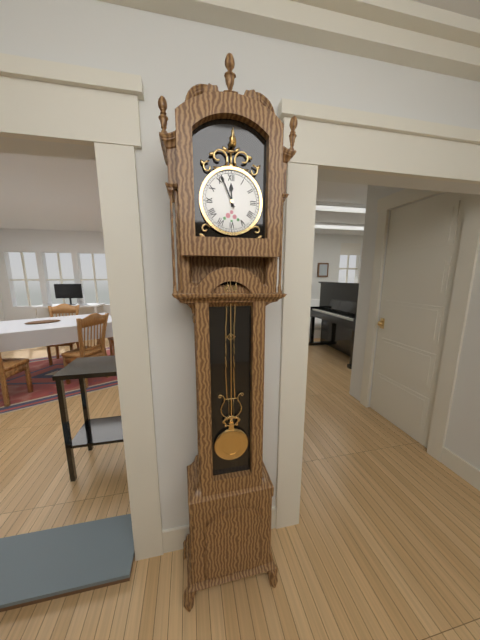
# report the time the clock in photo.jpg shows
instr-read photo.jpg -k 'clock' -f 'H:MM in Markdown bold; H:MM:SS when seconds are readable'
**11:56**
